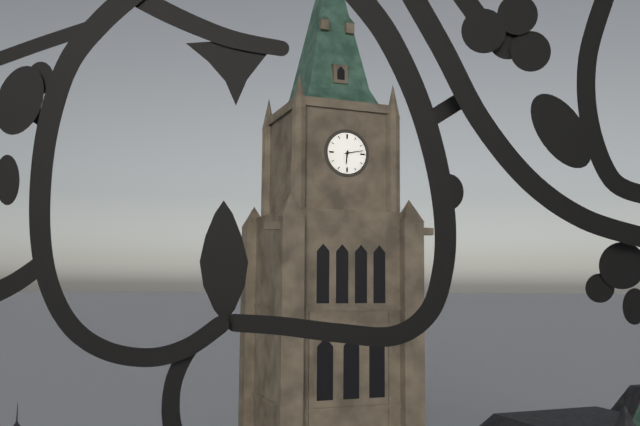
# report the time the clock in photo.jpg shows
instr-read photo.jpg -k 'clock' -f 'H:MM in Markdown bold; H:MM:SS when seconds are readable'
**6:13**
